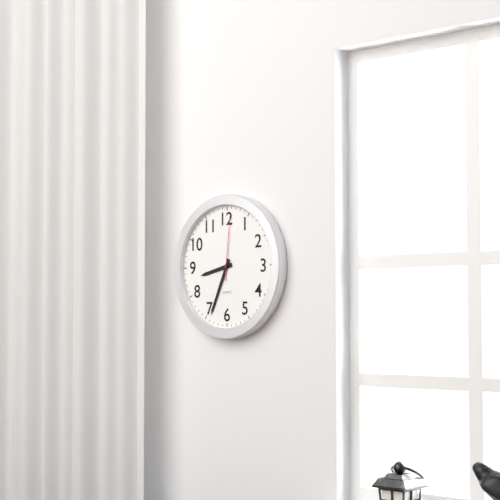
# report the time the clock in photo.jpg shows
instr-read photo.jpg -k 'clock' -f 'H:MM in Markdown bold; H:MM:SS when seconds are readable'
**8:34:01**
